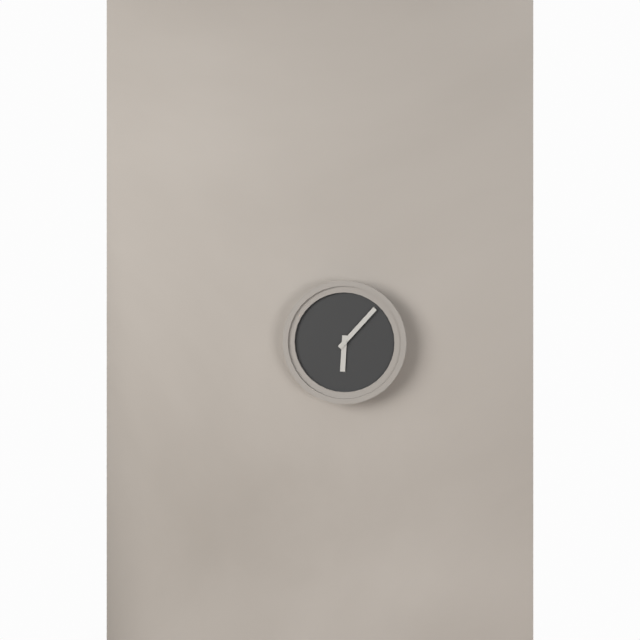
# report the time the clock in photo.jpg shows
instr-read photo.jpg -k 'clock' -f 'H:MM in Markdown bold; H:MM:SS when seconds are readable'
**6:07**
